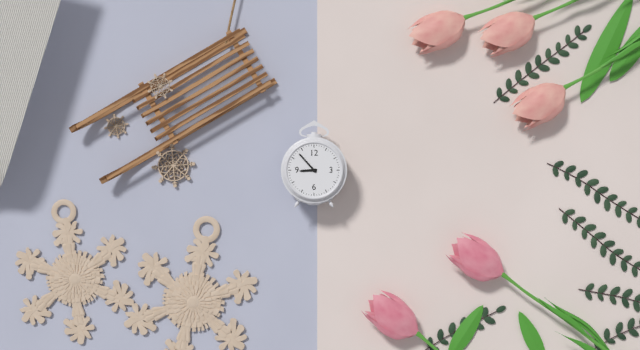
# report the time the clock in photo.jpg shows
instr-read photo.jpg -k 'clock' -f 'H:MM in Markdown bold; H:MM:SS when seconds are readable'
**8:53**
